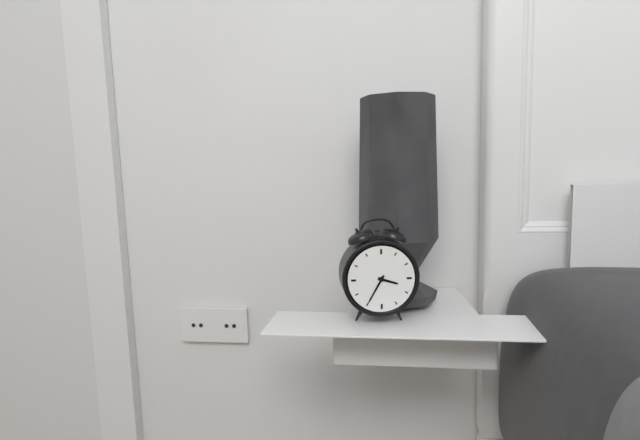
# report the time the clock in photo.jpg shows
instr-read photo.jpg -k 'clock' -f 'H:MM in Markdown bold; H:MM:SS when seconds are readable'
**3:35**
